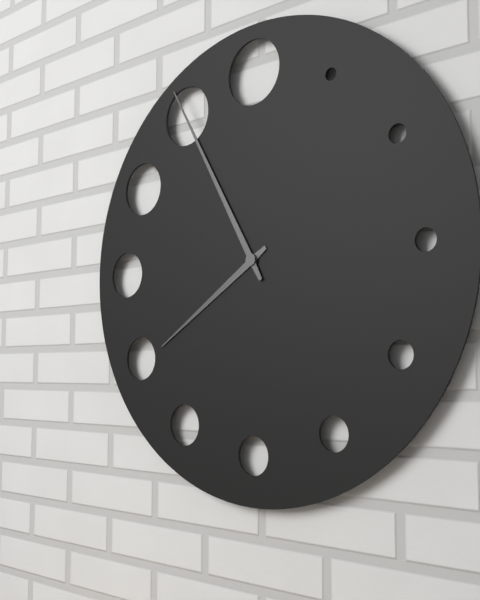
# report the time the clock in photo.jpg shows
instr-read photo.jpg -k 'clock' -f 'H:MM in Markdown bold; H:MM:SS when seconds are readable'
**7:55**
